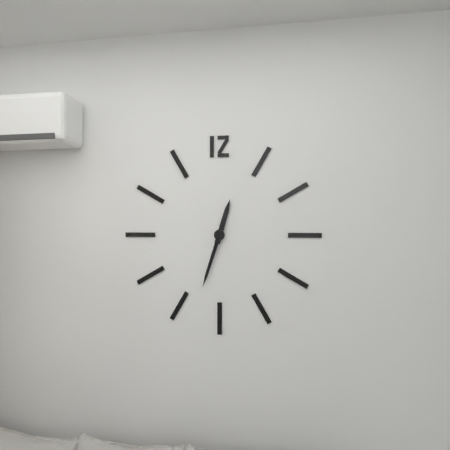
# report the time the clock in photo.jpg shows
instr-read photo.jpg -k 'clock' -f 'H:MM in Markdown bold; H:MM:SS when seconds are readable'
**12:33**
